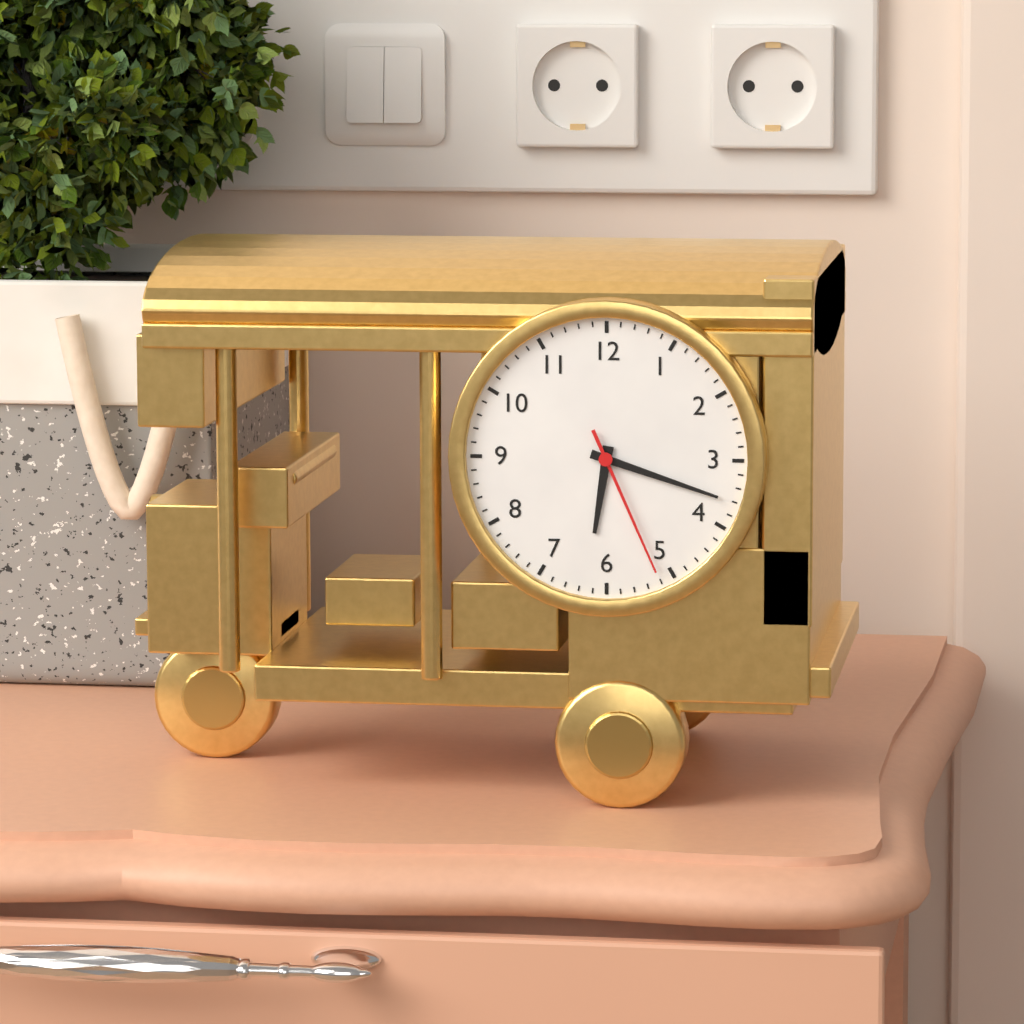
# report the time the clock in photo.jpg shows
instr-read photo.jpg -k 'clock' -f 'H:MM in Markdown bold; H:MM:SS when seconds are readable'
**6:18:26**
